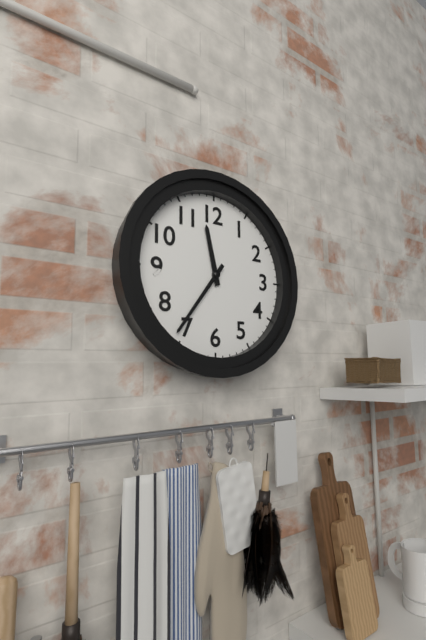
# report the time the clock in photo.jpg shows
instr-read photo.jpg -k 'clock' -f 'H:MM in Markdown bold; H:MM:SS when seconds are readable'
**11:36**
